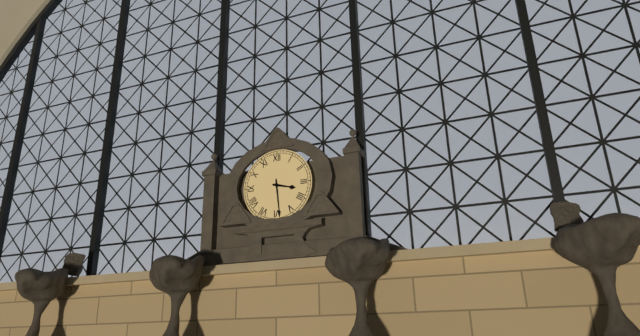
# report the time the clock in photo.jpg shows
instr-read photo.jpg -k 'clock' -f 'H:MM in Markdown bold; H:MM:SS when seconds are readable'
**3:29**
